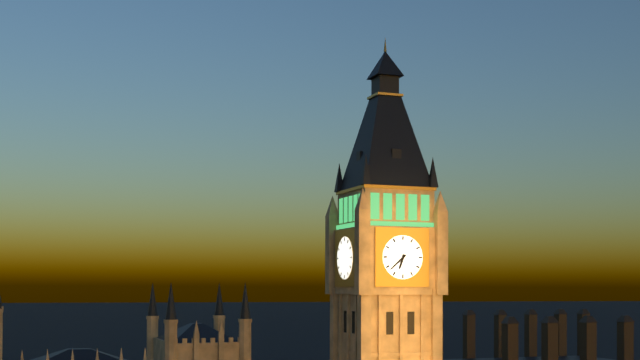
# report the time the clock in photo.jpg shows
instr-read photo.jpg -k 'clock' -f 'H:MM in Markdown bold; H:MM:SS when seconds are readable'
**6:38**
